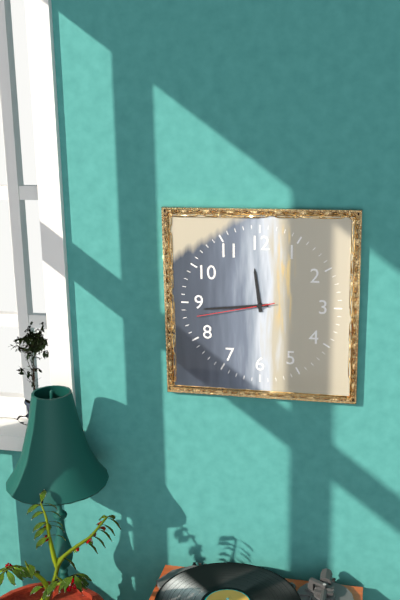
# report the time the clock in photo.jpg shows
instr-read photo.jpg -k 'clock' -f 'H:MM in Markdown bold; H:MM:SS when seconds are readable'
**11:44:43**
